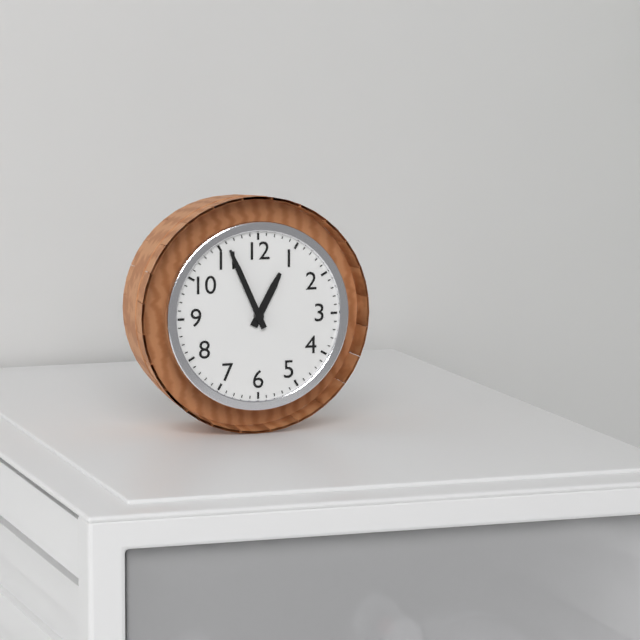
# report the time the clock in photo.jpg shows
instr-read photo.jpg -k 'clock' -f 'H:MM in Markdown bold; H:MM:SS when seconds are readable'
**12:56**
